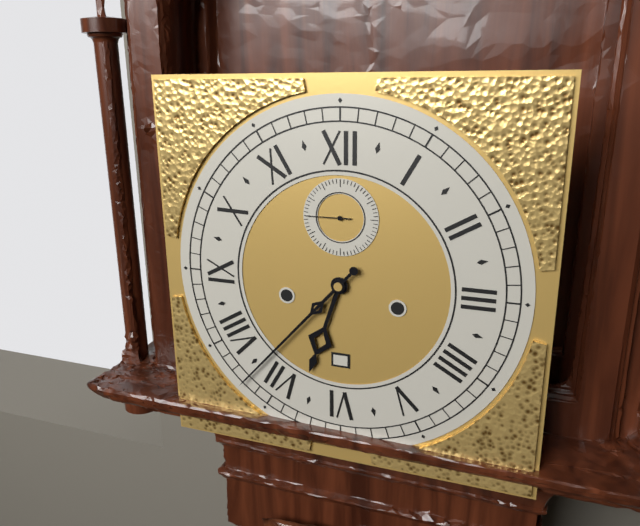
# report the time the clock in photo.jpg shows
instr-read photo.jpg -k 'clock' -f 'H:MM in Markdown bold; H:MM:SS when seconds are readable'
**6:37**
